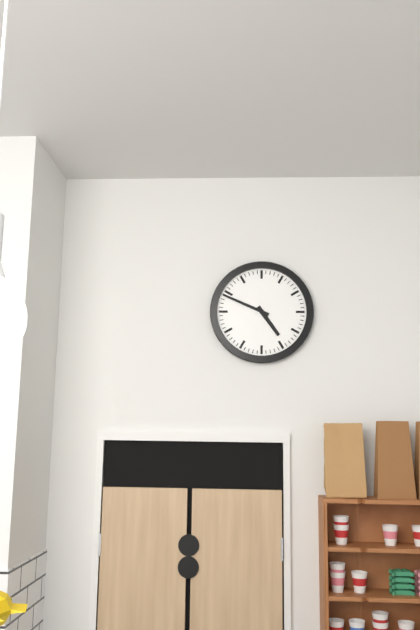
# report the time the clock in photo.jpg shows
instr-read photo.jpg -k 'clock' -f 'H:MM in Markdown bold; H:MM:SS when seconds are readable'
**4:49**
